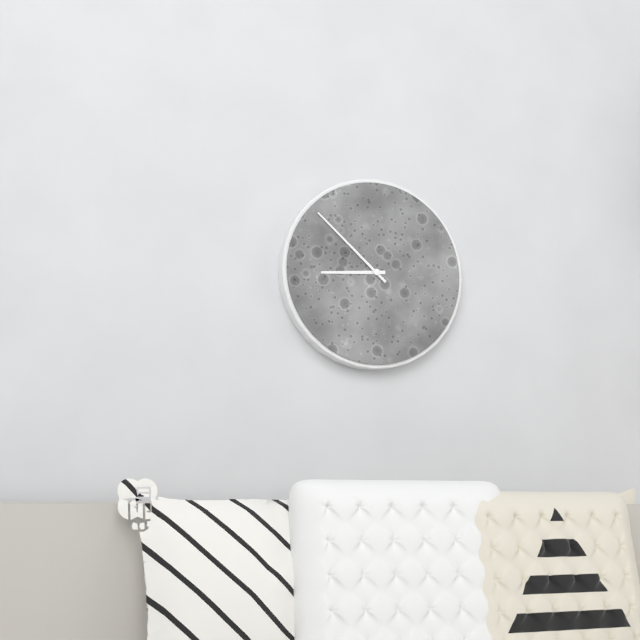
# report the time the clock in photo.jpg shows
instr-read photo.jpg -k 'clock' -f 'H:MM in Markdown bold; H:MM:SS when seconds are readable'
**8:52**
